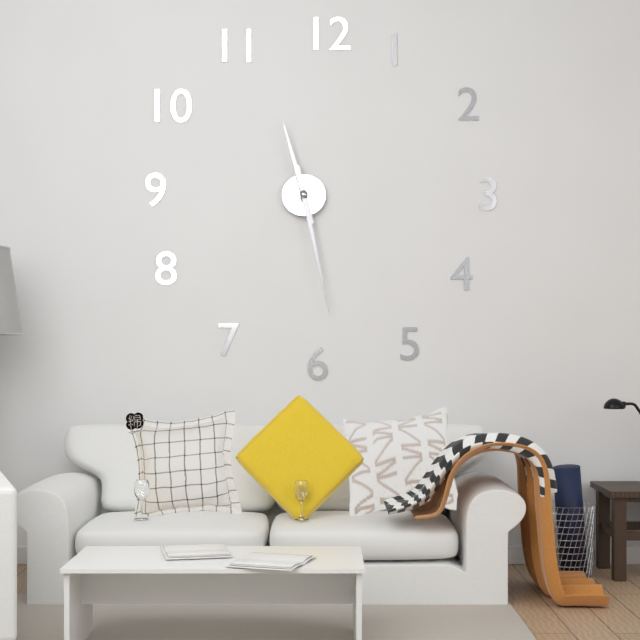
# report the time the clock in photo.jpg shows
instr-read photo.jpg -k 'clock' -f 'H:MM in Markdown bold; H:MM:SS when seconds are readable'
**11:28**
